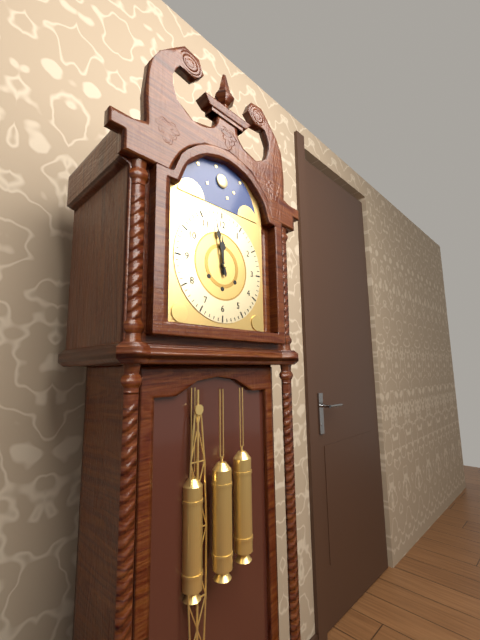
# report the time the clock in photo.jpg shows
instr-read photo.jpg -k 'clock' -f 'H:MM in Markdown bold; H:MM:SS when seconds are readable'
**11:58**
